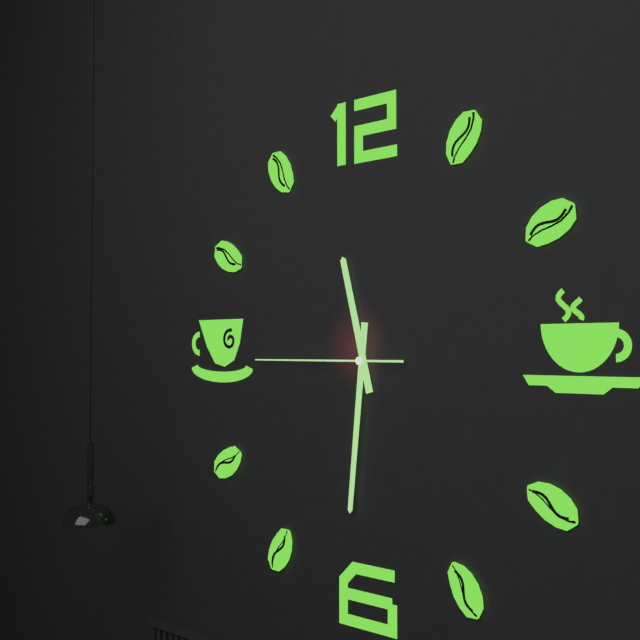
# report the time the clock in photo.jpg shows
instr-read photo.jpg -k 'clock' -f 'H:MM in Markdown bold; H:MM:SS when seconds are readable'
**11:31:45**
